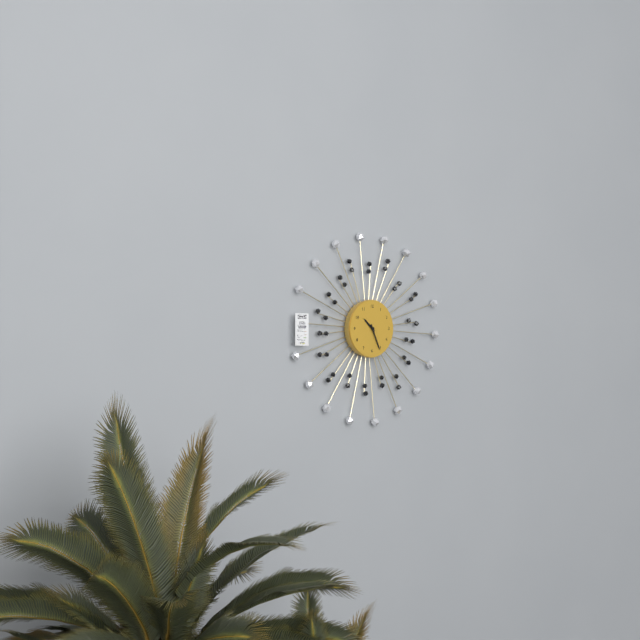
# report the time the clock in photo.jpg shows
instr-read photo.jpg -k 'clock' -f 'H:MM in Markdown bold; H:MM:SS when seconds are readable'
**10:26**
